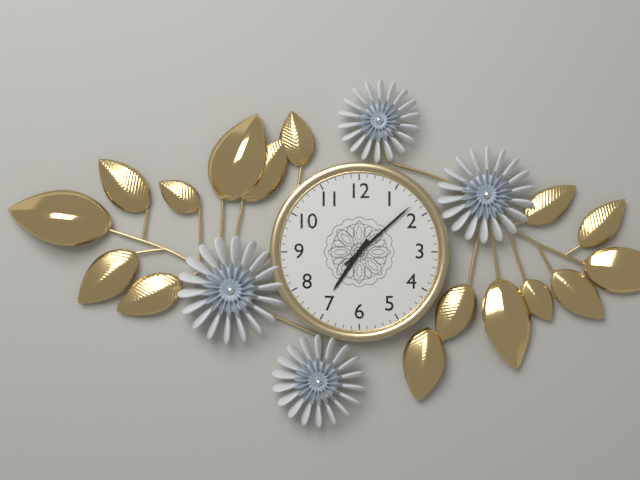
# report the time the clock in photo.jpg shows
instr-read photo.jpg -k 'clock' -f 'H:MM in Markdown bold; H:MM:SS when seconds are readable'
**7:08**
